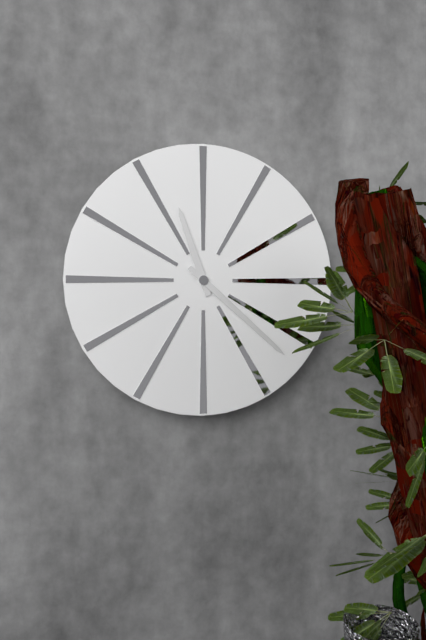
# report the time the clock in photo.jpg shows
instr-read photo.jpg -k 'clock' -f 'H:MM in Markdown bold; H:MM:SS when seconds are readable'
**11:22**
